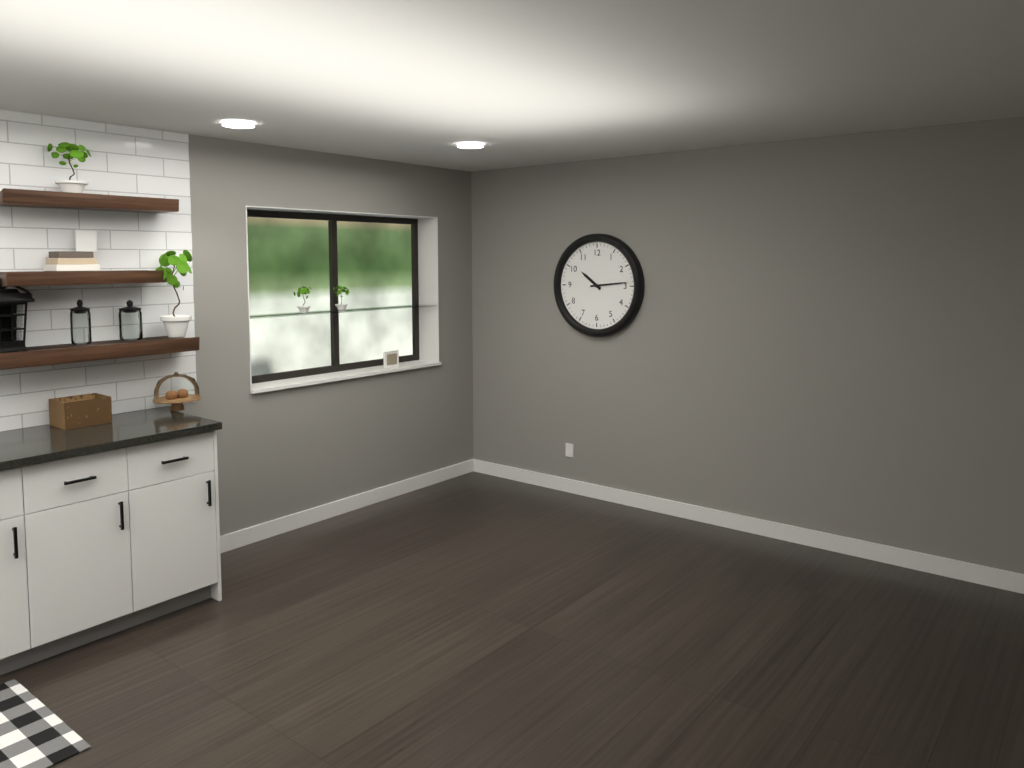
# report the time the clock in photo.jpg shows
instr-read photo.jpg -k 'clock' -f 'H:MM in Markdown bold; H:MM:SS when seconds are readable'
**10:14**
